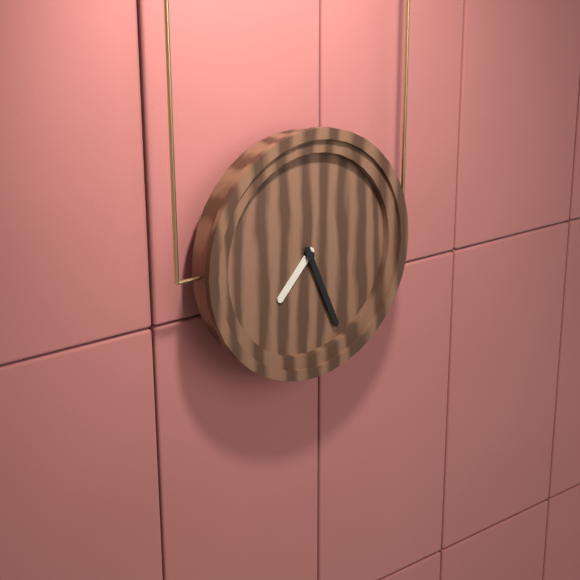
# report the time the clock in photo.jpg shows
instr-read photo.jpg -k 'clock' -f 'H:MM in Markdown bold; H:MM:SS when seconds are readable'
**7:26**
